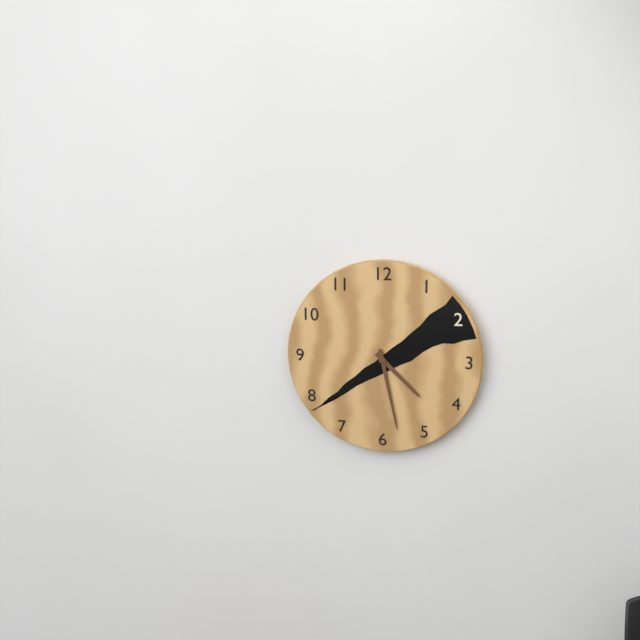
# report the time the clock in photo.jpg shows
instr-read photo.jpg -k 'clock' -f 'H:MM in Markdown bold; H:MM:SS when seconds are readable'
**4:28**
